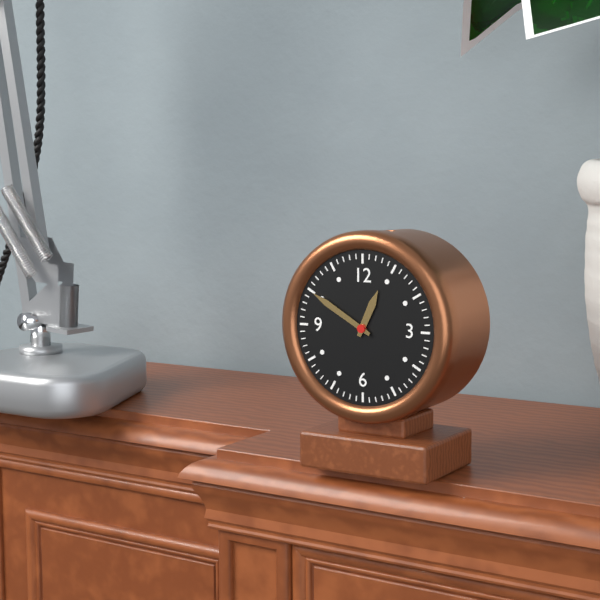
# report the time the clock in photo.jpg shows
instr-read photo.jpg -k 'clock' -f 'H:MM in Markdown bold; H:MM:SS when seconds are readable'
**12:50**
